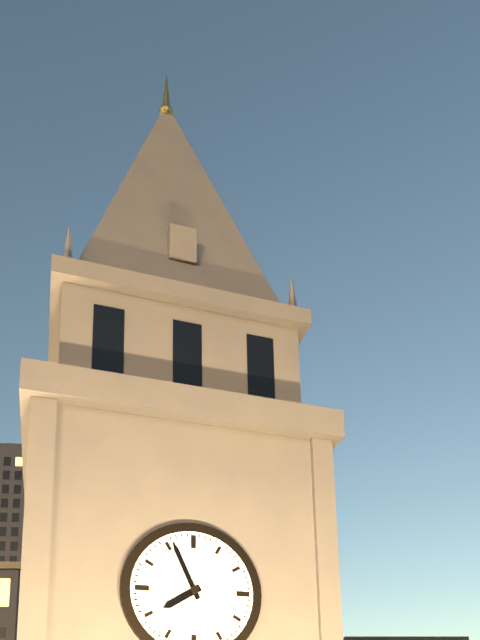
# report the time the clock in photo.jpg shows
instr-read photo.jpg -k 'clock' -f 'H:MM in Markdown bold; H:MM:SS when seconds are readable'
**7:56**
